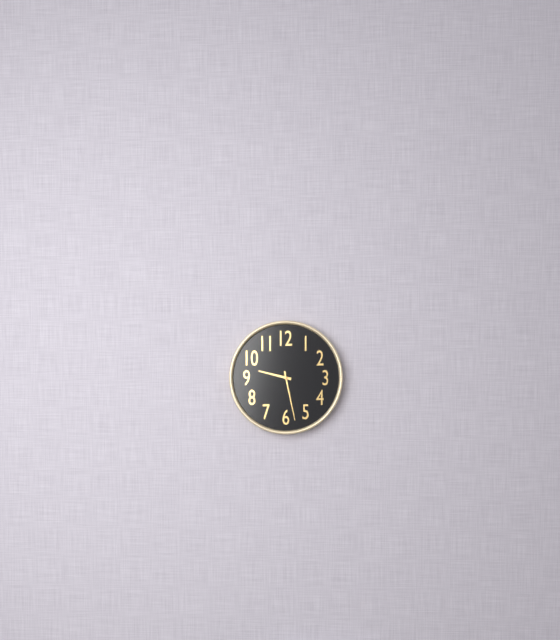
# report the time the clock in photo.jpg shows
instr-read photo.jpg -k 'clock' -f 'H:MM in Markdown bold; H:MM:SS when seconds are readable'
**9:28**
